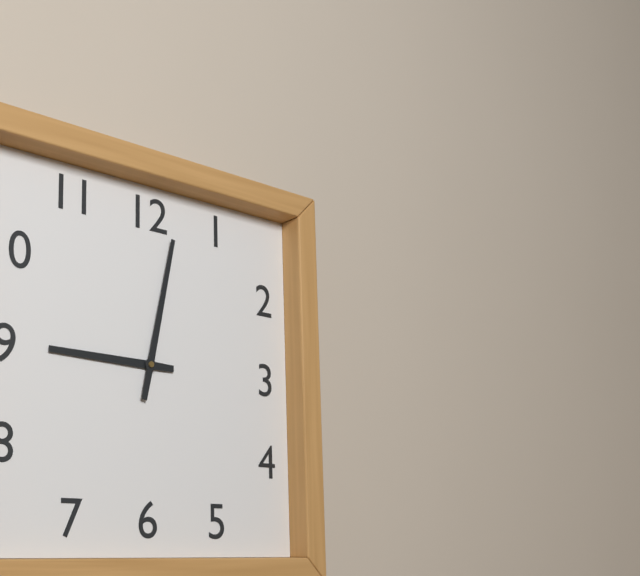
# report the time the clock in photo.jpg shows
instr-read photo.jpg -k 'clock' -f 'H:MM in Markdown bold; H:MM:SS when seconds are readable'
**9:02**
